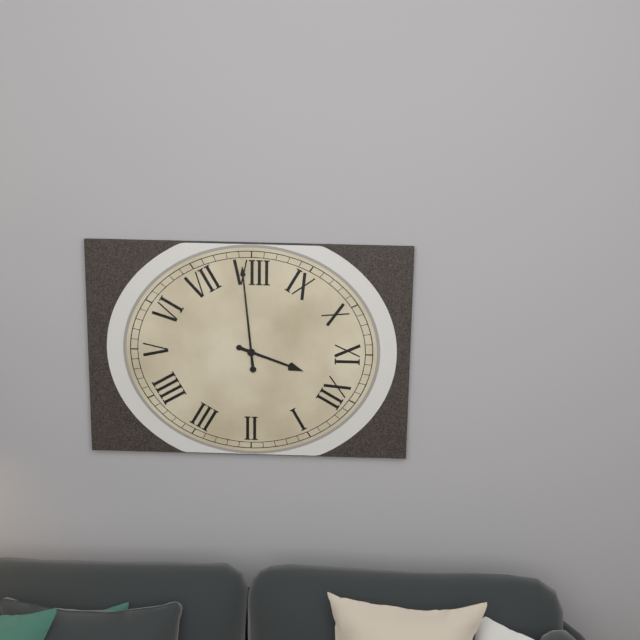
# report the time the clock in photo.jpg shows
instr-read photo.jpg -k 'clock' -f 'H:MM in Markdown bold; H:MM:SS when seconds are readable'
**11:39**
